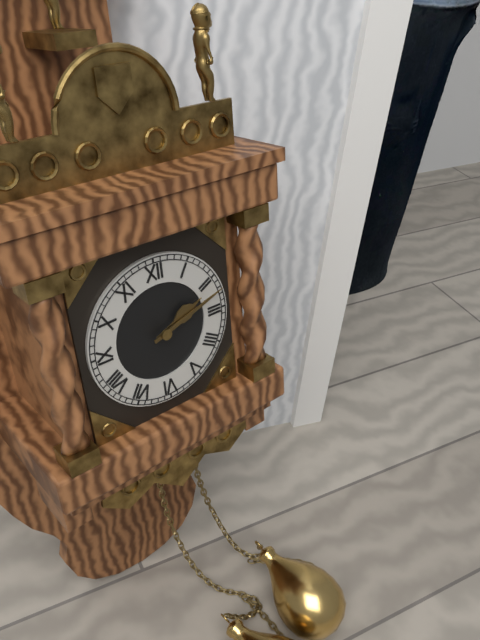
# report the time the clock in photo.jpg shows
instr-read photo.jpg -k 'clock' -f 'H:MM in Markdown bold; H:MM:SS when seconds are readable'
**2:12**
